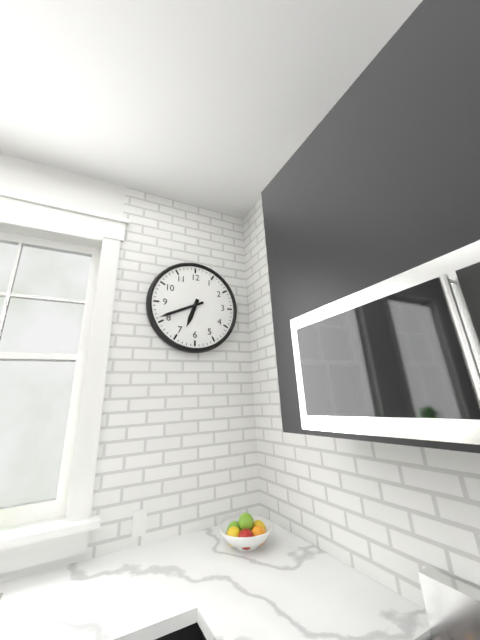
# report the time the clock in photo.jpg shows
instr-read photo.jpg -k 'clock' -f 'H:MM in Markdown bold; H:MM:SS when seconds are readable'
**6:41**
